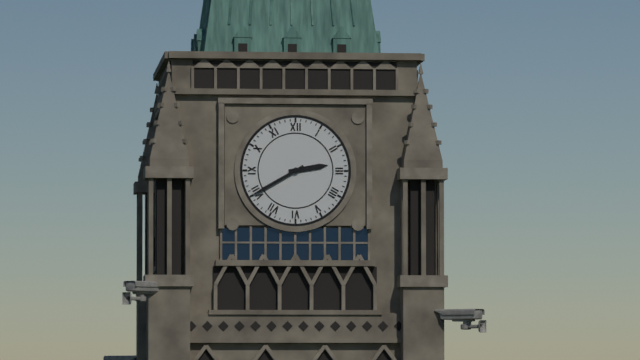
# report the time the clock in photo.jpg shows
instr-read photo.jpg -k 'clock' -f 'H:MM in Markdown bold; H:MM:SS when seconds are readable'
**2:40**
